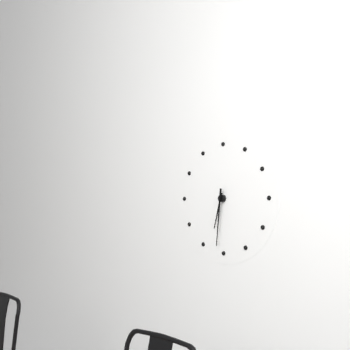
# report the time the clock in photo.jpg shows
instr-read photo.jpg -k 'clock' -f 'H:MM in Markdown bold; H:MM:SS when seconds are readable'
**6:31**
